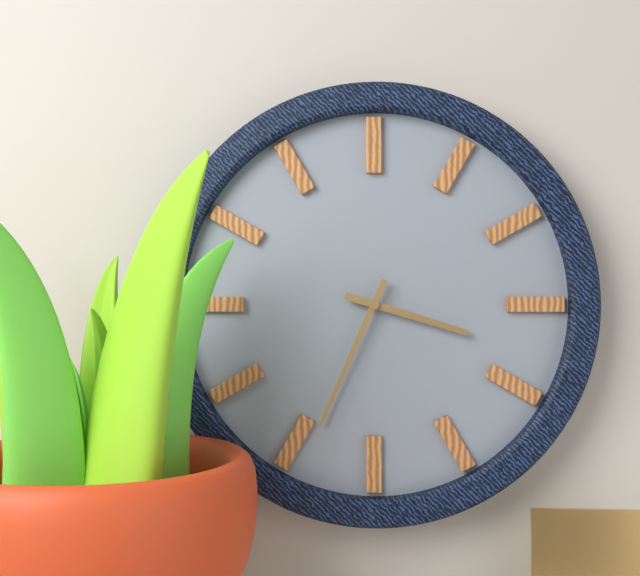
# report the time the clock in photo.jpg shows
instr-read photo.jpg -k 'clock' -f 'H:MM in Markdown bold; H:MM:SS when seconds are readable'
**3:34**
